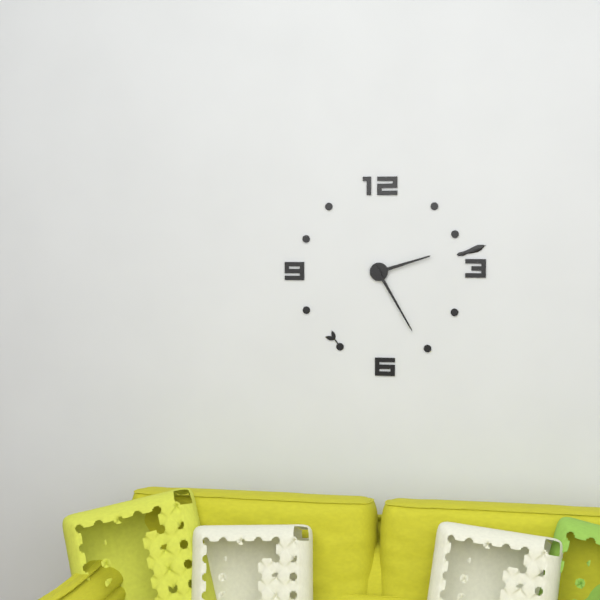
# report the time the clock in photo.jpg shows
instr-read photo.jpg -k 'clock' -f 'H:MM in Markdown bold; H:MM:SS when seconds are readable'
**2:25**
